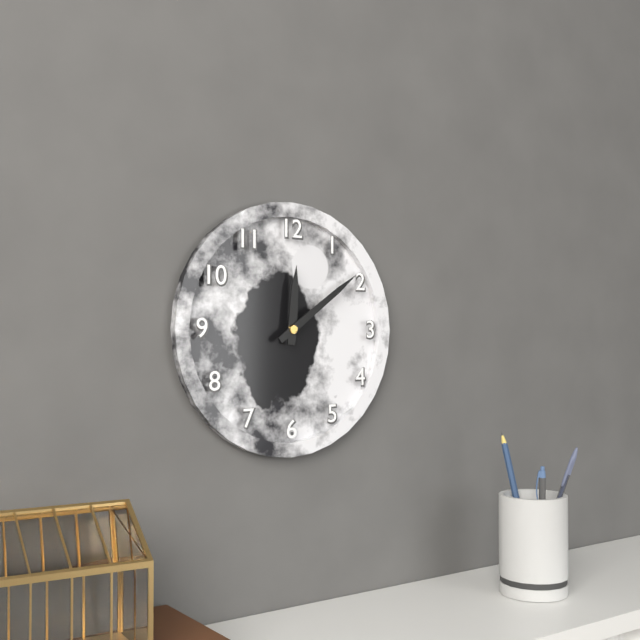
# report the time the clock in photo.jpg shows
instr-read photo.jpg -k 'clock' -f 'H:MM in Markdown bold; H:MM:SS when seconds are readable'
**12:09**
